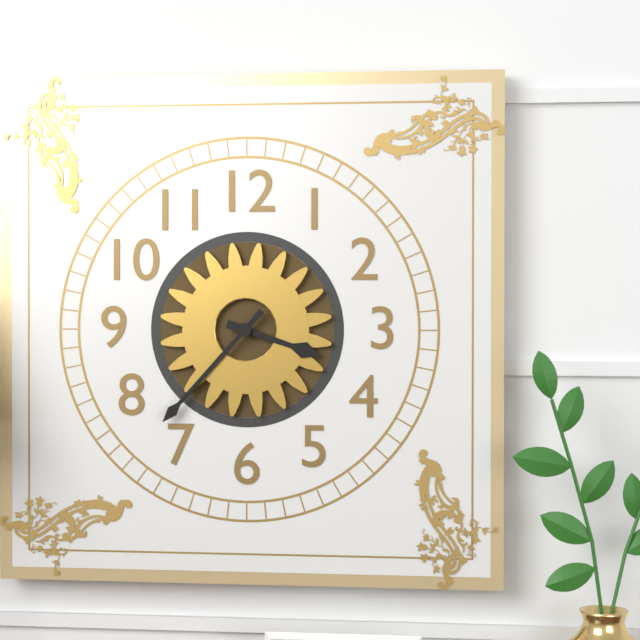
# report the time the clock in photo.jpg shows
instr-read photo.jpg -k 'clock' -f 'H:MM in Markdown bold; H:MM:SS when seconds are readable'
**3:37**
